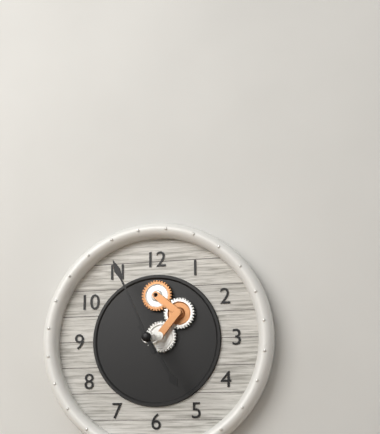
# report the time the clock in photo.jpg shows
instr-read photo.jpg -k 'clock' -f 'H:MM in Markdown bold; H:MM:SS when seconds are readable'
**4:56**
